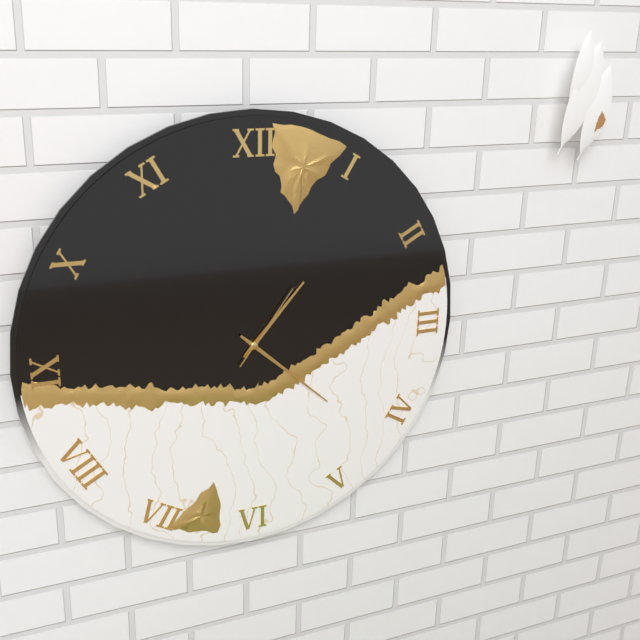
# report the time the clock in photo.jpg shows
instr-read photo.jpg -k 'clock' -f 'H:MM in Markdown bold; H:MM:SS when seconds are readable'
**1:22:06**
